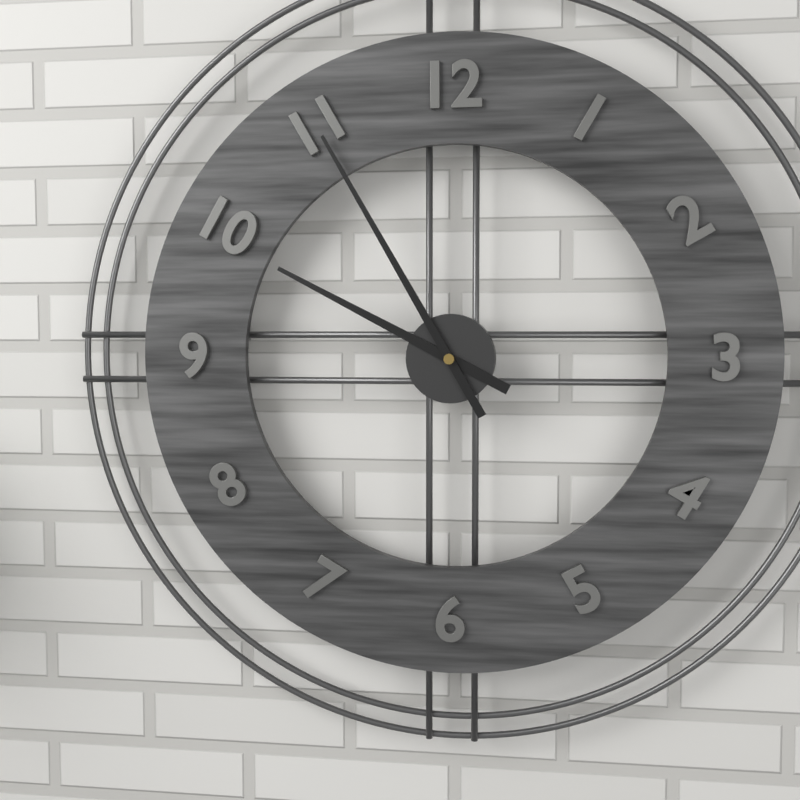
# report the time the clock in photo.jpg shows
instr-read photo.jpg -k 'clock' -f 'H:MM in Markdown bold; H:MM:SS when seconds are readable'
**9:55**
